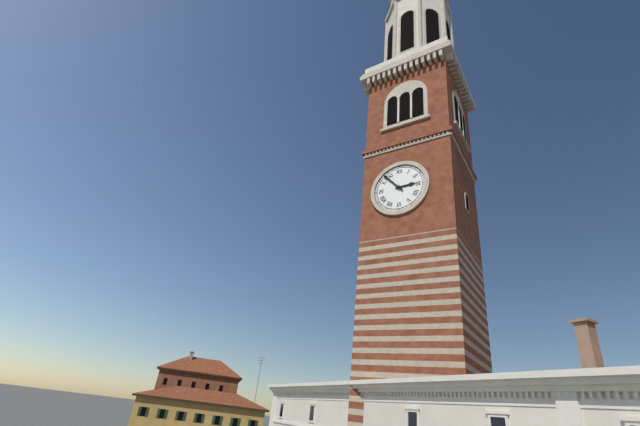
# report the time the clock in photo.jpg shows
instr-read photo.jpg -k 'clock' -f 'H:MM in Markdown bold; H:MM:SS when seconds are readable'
**2:53**
